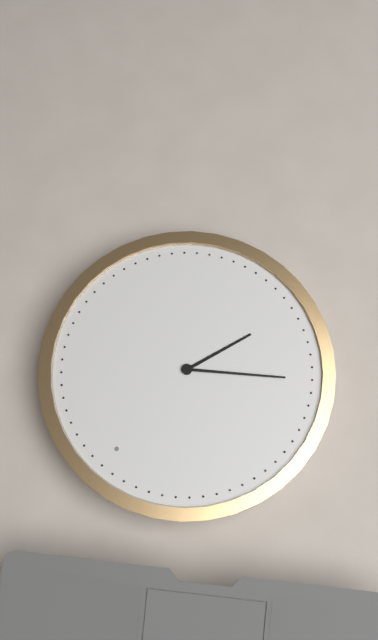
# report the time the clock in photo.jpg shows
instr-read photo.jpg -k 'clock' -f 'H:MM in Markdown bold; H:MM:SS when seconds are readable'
**6:39**
